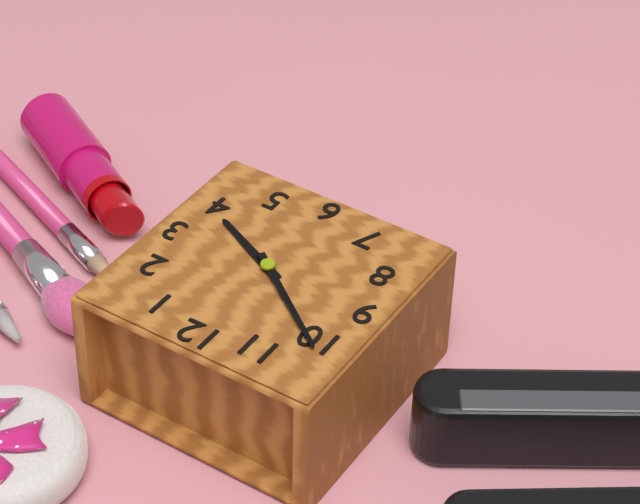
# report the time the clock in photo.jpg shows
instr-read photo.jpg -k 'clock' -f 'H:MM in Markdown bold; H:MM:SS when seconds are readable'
**3:51**
